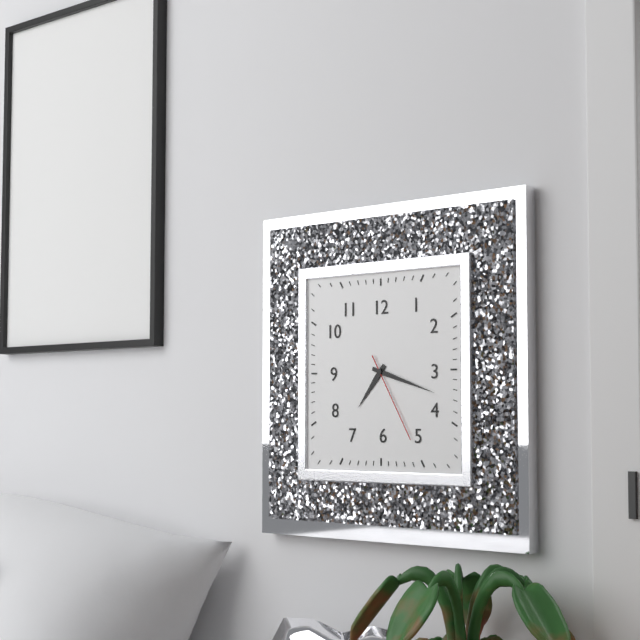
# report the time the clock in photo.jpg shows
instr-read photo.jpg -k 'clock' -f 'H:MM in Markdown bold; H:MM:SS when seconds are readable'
**7:18:25**
